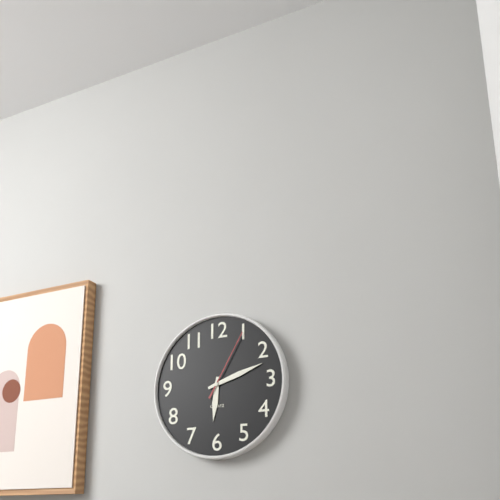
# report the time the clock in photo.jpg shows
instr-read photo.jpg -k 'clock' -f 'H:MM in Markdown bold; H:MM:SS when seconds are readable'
**6:12:05**
